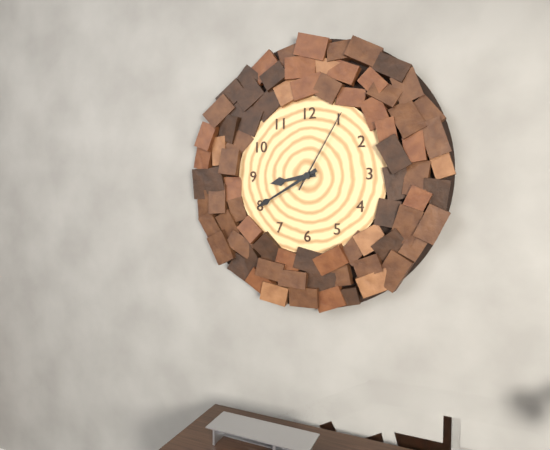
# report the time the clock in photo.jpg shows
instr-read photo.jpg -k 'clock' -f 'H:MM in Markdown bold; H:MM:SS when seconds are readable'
**8:40:05**
